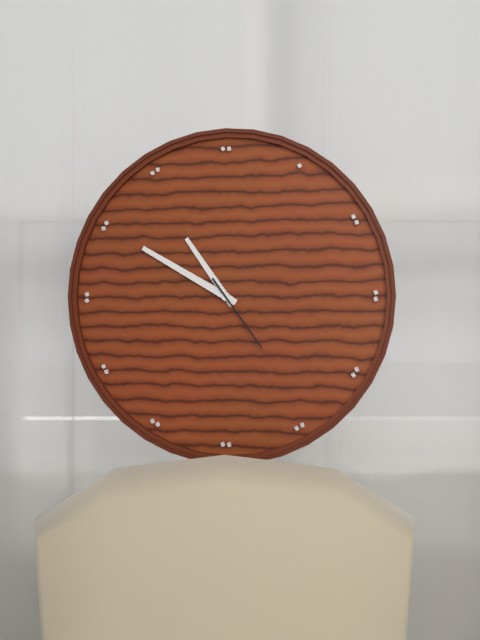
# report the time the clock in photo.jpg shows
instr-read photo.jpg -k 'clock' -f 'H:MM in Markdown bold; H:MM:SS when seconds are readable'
**10:50:24**
